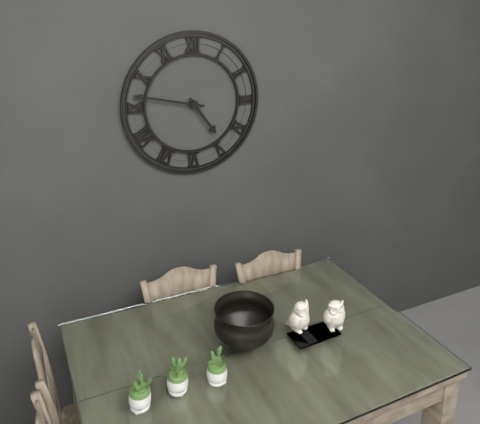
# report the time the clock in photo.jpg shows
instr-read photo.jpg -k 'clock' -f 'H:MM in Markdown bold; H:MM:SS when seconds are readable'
**4:47**
